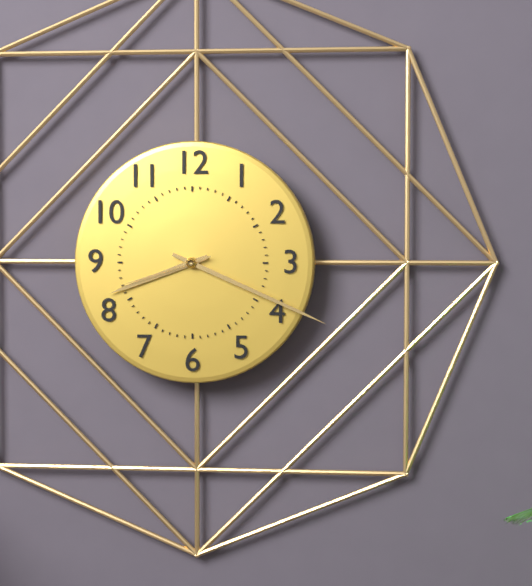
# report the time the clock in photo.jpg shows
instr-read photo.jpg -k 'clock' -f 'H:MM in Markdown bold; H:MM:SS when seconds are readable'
**8:19:42**
